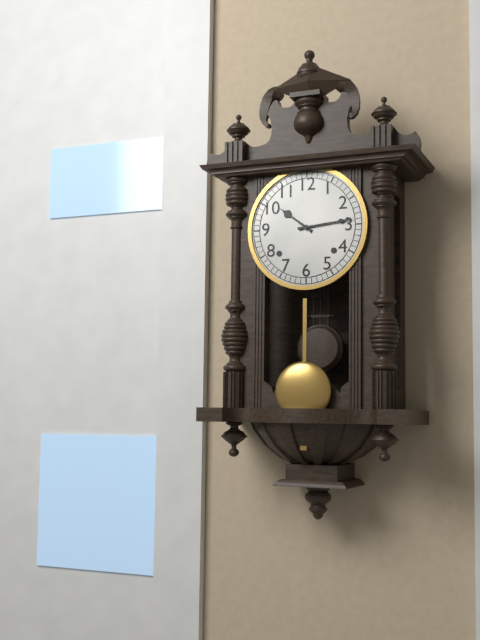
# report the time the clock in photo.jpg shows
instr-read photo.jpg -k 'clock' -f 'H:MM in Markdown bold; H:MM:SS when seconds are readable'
**10:14**
